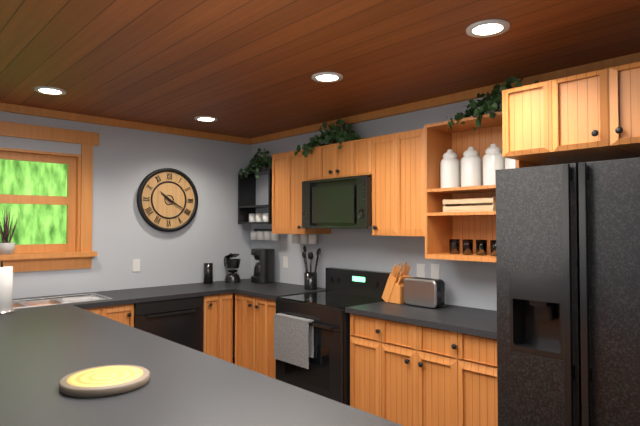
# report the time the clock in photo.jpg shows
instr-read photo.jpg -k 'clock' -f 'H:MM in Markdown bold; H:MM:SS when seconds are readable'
**10:20**
